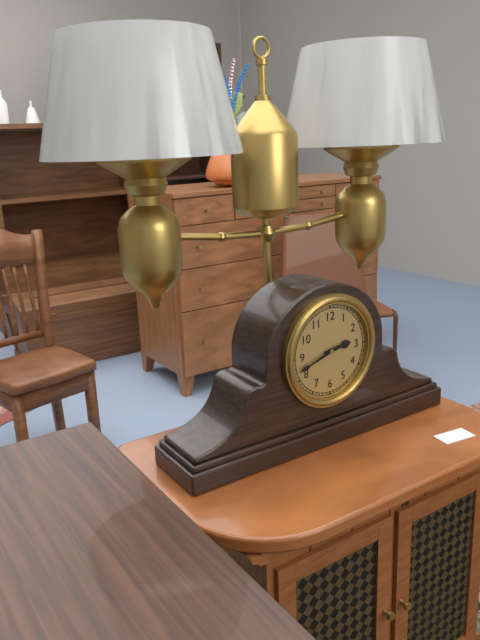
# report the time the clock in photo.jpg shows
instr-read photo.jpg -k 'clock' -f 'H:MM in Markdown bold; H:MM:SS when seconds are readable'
**2:42**
